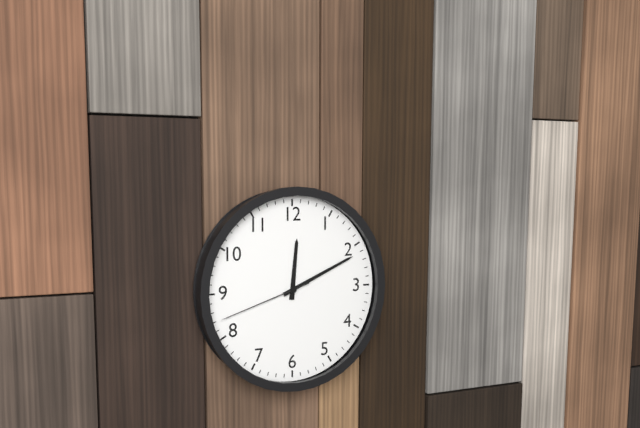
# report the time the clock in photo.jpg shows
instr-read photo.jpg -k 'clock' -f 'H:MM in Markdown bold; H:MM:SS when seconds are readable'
**12:11:42**
